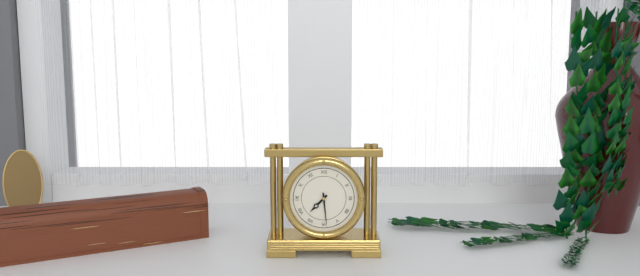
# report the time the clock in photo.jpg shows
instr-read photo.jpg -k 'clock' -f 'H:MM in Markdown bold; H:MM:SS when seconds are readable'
**7:29**
